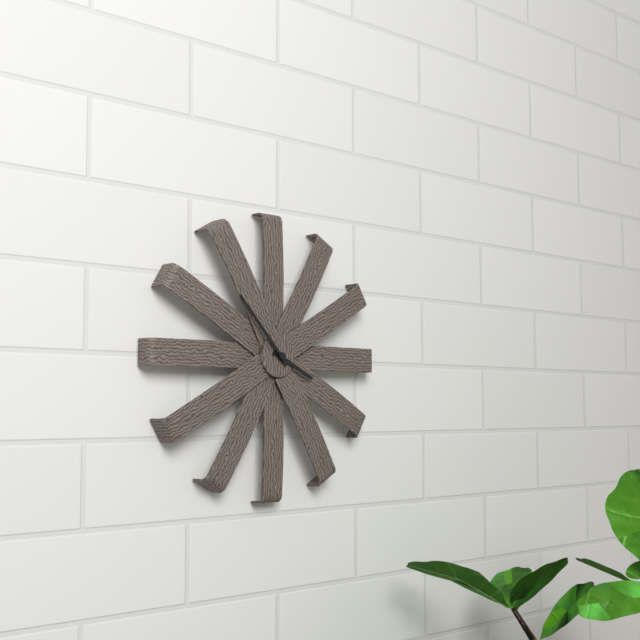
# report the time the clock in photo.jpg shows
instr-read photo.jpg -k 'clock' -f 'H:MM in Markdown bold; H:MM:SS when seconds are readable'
**3:53**
